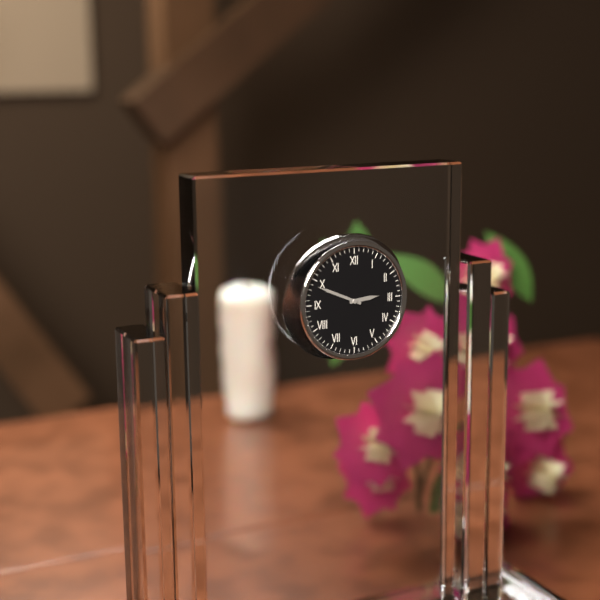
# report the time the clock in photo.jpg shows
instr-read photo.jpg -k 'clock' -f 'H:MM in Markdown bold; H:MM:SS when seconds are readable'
**2:49**
